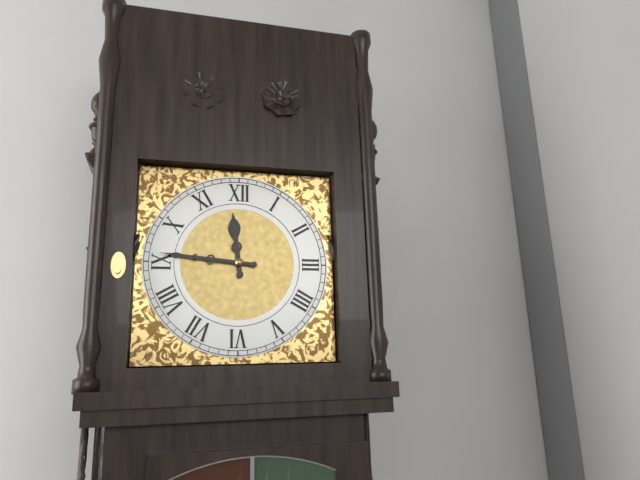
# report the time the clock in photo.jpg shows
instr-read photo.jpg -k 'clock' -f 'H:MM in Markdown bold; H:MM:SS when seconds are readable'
**11:46**
